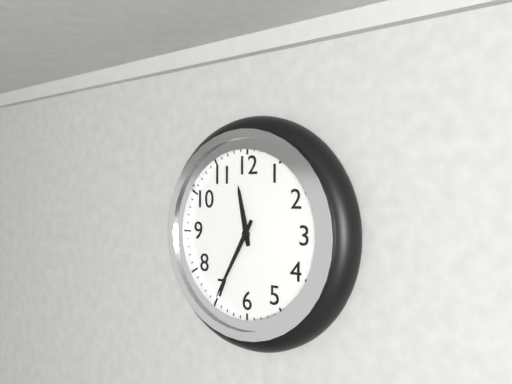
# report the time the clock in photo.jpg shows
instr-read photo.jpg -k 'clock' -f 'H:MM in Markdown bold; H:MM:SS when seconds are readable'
**11:35**
